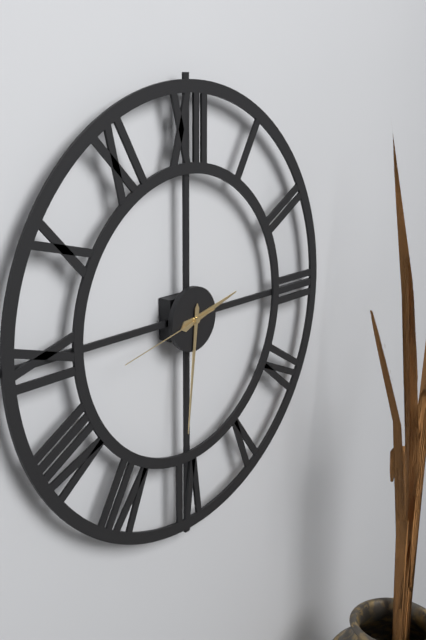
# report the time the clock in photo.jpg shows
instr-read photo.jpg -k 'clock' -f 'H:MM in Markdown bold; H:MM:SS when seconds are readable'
**2:31:43**
